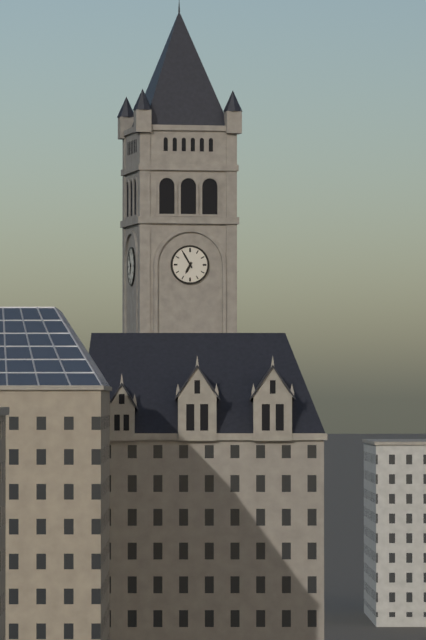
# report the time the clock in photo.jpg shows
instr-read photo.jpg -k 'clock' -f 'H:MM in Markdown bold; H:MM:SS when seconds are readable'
**6:55**
